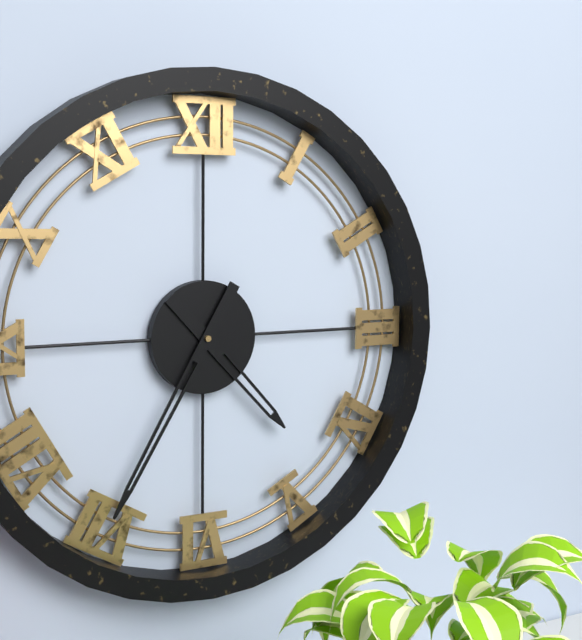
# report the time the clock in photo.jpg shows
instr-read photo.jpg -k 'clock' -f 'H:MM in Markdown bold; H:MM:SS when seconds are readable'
**4:35**
